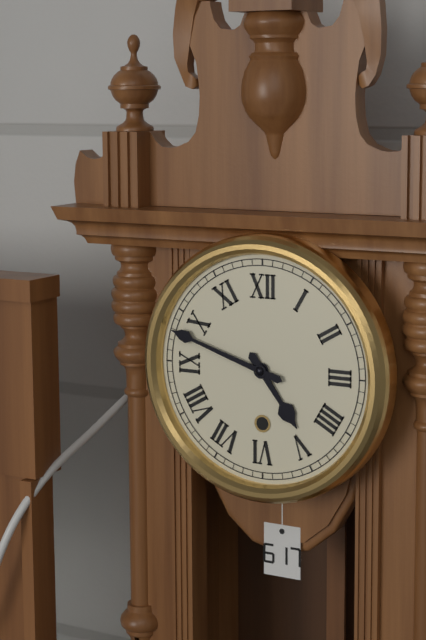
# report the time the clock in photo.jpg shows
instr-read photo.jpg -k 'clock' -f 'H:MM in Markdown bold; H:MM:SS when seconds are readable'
**4:48**
